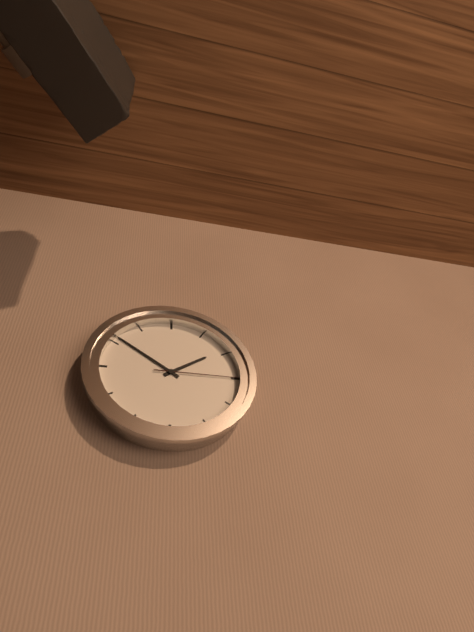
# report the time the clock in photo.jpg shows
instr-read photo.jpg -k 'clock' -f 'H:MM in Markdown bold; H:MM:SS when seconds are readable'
**1:51:15**
